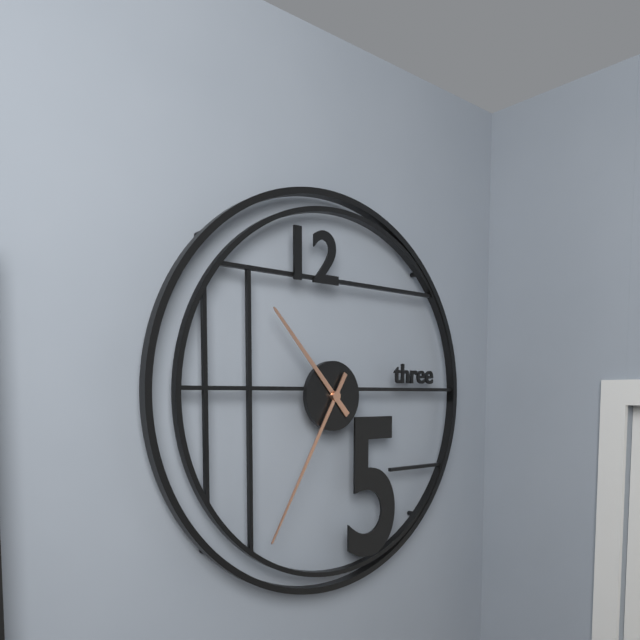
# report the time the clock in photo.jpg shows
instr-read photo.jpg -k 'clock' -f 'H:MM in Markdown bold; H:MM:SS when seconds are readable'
**10:35**
